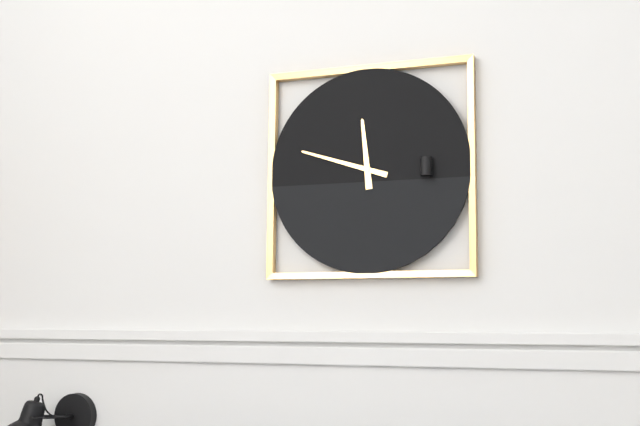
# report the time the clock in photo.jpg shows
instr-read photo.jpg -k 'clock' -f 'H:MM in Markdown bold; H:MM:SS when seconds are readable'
**11:48**
